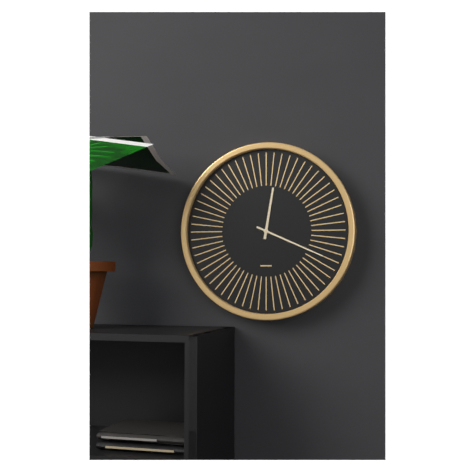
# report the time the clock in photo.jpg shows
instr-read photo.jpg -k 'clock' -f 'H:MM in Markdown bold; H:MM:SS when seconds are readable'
**12:19**
